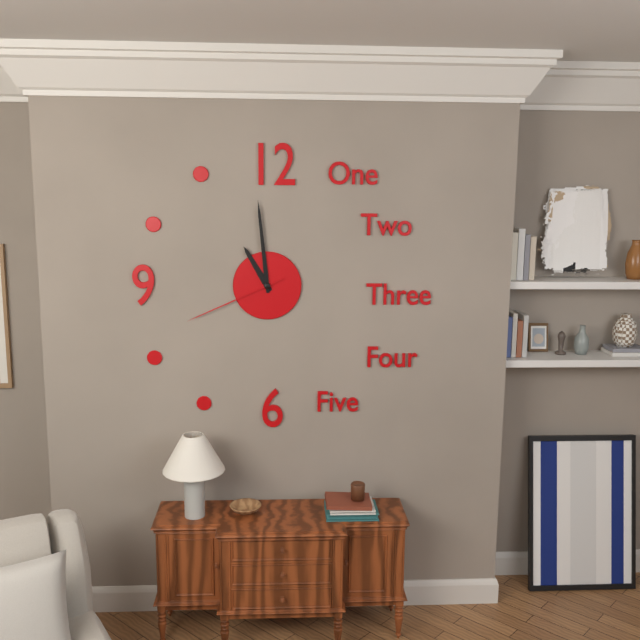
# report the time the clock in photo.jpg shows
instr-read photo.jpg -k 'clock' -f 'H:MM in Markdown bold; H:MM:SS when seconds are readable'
**10:59:41**
